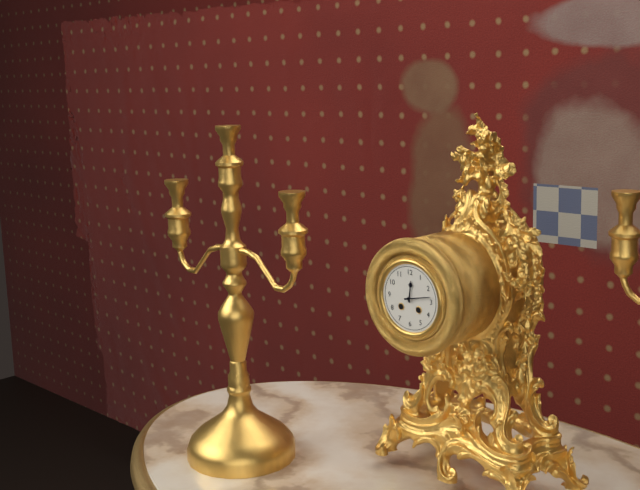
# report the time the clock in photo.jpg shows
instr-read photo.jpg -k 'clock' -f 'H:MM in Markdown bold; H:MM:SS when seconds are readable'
**12:13**
